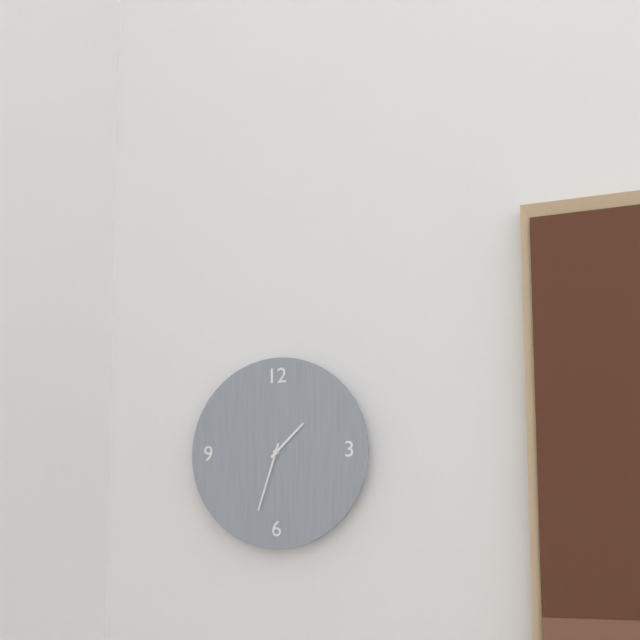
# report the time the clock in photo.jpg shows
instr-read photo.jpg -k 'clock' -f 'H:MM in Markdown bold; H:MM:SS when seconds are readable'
**1:33**
